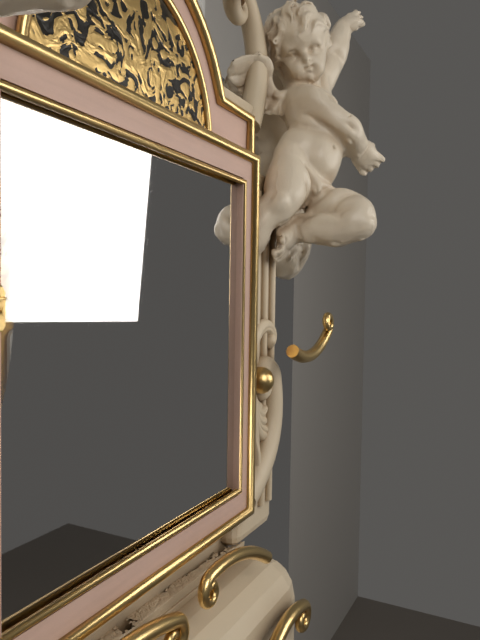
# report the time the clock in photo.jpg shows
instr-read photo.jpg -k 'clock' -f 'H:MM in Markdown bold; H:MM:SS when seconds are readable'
**5:21**
